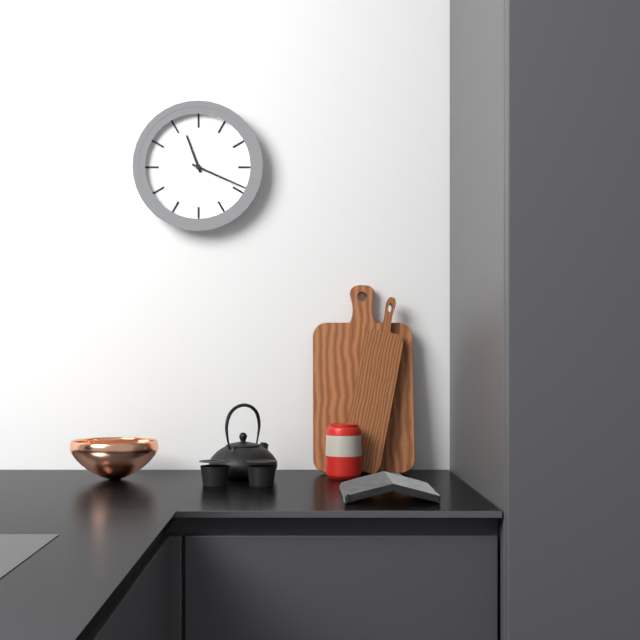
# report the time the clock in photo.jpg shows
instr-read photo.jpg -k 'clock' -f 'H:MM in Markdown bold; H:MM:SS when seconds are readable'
**11:19**
